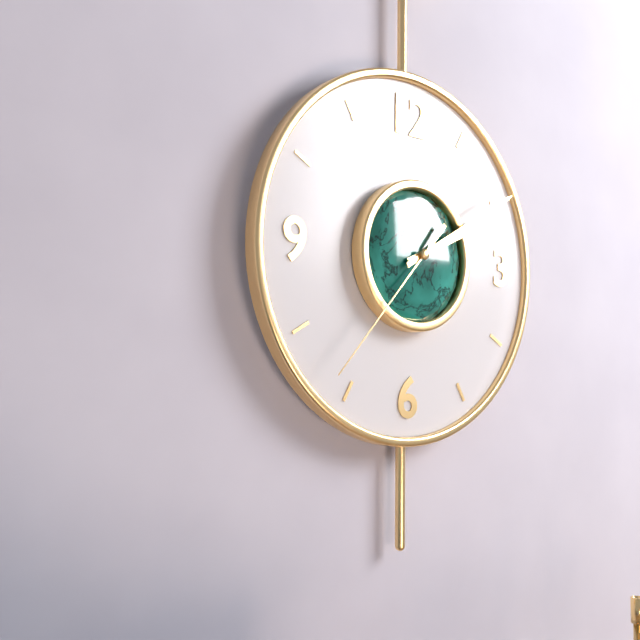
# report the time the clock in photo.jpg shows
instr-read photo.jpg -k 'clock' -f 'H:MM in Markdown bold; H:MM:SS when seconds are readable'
**2:10:37**
